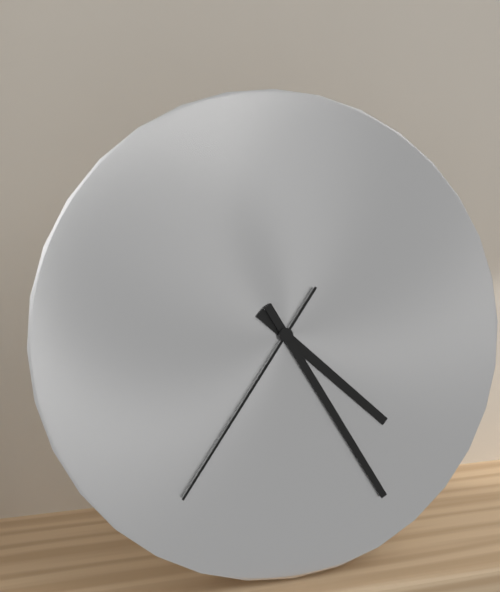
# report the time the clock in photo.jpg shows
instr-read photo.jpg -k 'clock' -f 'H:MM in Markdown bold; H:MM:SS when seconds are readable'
**4:25:36**
